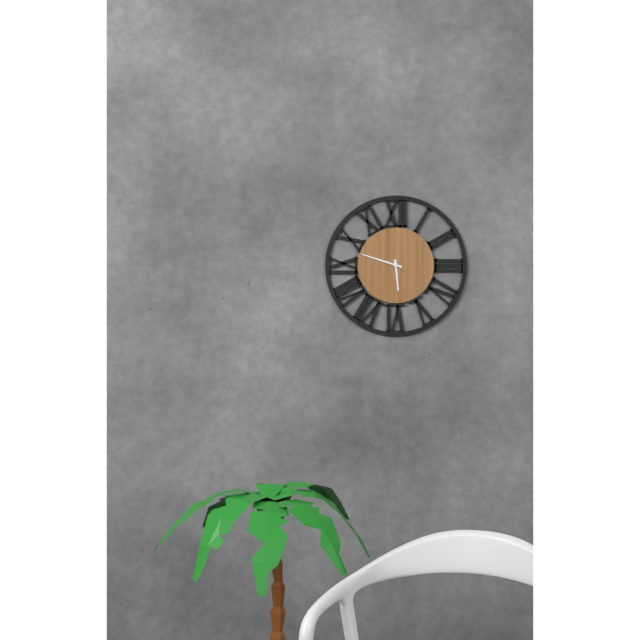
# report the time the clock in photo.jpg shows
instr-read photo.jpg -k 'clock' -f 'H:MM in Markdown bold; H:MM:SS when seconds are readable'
**5:48**
